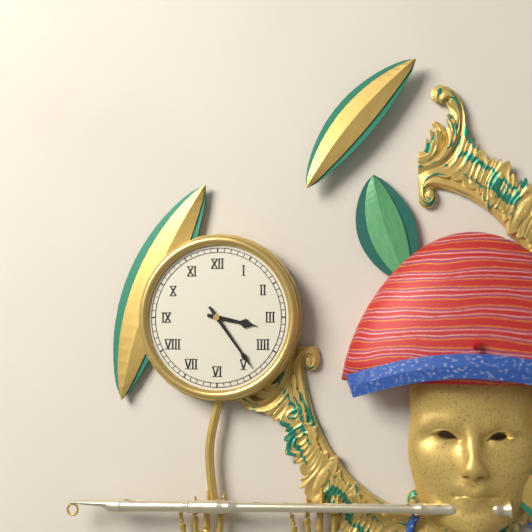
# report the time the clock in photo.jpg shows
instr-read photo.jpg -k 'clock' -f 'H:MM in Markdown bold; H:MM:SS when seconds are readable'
**3:24**
